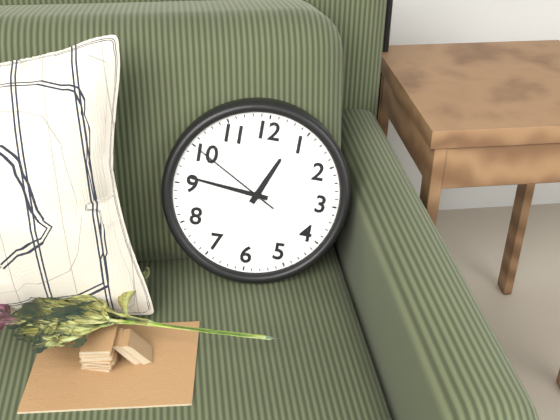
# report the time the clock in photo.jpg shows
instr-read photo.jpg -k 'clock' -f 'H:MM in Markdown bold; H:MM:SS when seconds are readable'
**12:46:50**
